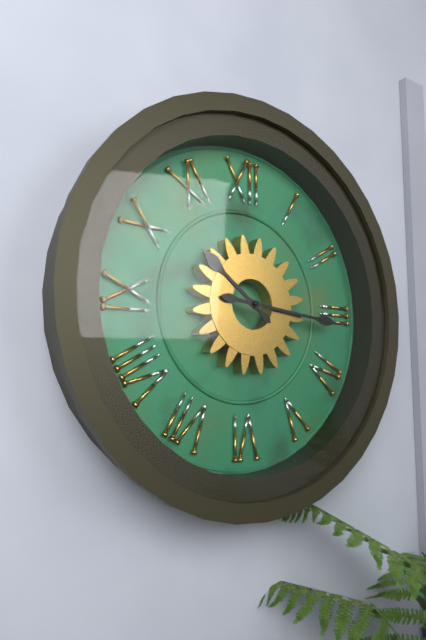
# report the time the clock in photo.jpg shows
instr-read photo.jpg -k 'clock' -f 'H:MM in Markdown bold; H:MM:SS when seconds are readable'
**10:16**
